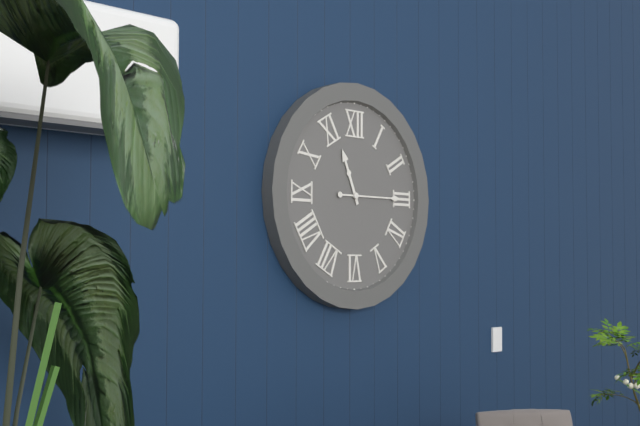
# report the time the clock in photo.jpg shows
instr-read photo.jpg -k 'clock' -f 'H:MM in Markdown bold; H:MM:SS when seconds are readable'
**11:15**
